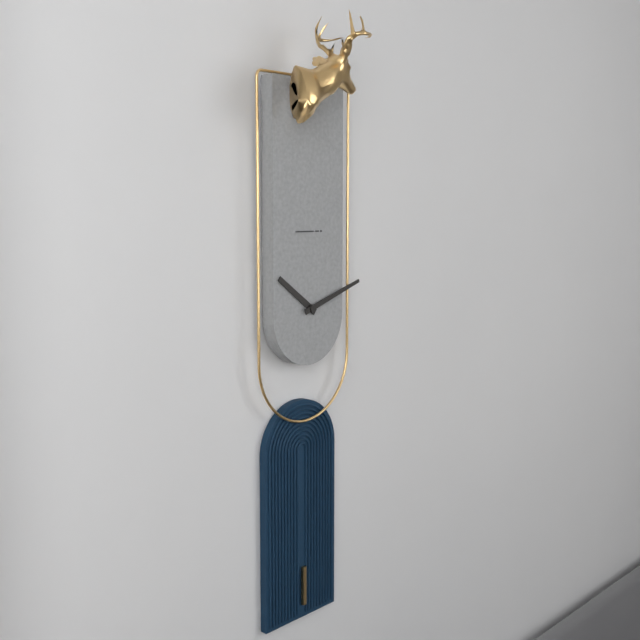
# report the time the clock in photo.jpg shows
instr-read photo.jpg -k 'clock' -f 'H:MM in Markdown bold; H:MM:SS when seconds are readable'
**10:12**
